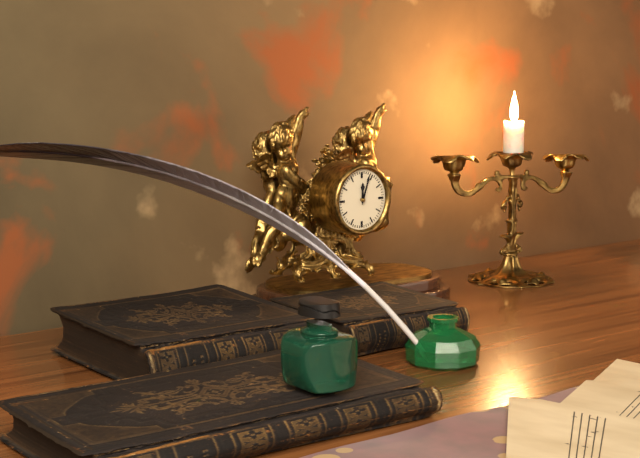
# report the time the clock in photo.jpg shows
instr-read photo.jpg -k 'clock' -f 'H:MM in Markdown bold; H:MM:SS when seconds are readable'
**12:03**
